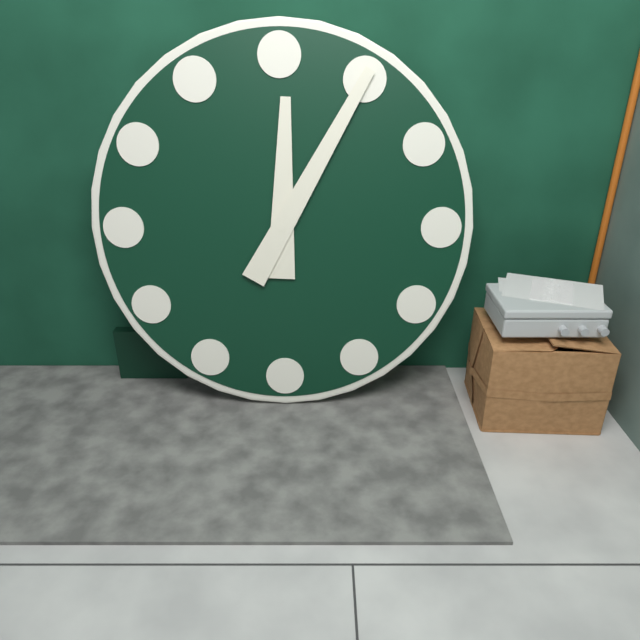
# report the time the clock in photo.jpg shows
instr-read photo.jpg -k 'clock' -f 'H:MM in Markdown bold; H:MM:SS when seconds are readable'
**12:05**
